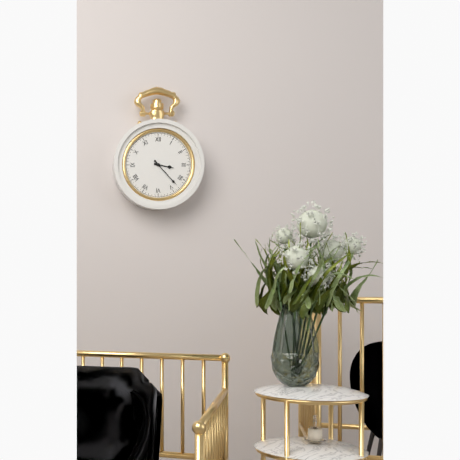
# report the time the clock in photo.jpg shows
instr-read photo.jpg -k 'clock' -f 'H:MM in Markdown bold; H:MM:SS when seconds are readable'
**3:23**
